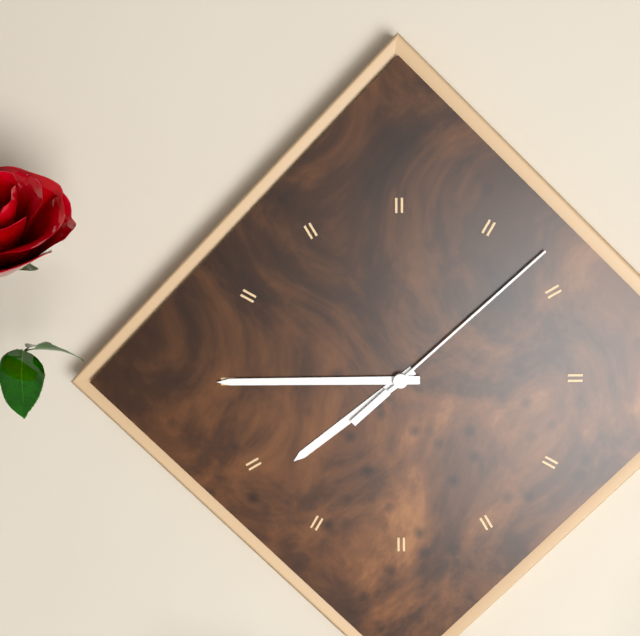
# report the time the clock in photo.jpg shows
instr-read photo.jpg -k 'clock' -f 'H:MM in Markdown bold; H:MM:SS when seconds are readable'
**7:45:08**
